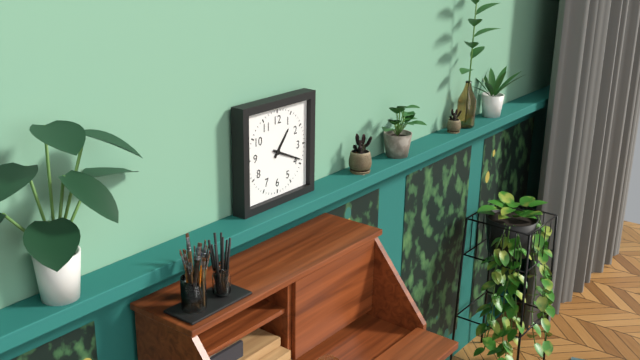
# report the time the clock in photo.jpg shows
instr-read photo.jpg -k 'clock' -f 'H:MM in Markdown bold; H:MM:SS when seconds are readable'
**1:19**
